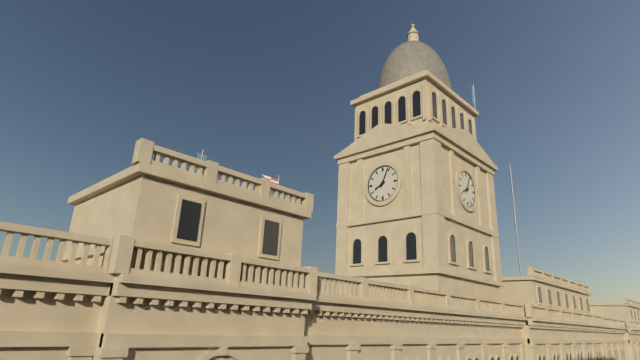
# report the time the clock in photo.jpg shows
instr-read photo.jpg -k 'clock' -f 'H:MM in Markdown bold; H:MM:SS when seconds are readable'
**8:04**
